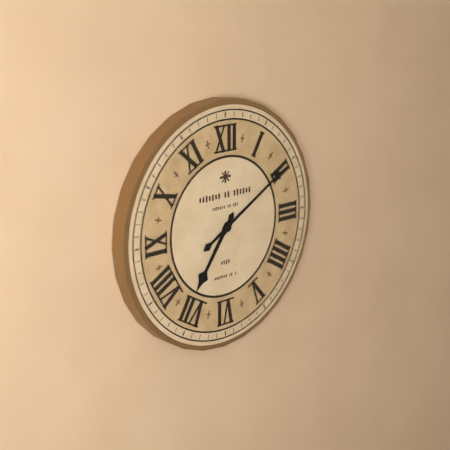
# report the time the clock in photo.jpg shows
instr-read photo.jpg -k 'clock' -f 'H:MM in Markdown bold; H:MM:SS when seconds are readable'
**7:10**
